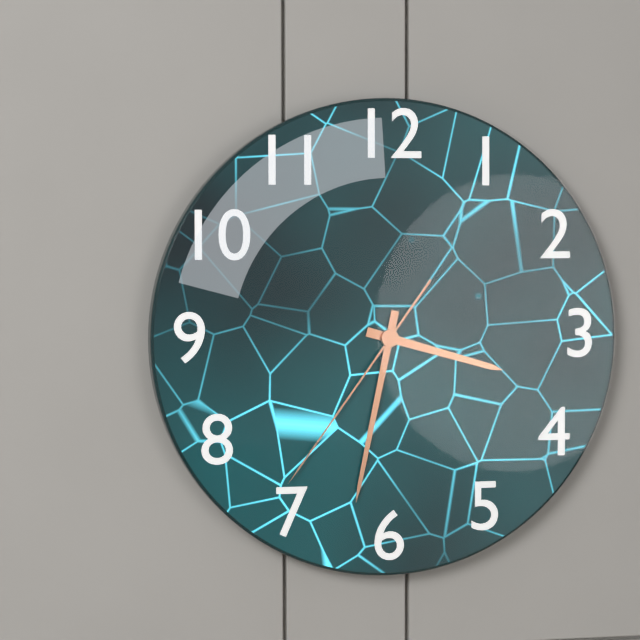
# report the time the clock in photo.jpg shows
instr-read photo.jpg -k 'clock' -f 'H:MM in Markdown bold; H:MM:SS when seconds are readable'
**3:32:36**
